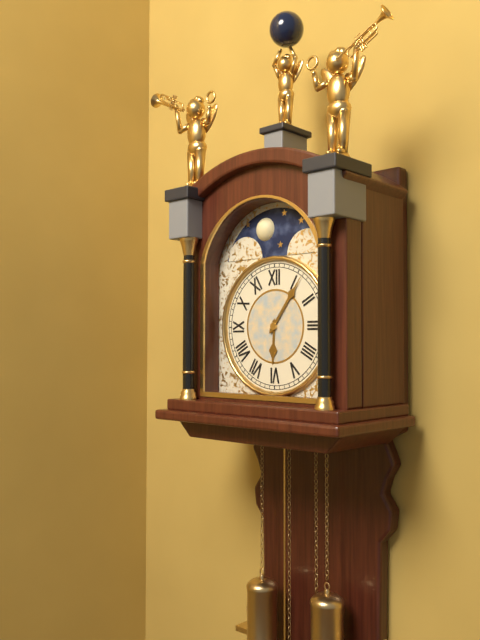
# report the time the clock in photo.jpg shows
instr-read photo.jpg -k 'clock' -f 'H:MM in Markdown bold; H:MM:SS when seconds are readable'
**6:06**
